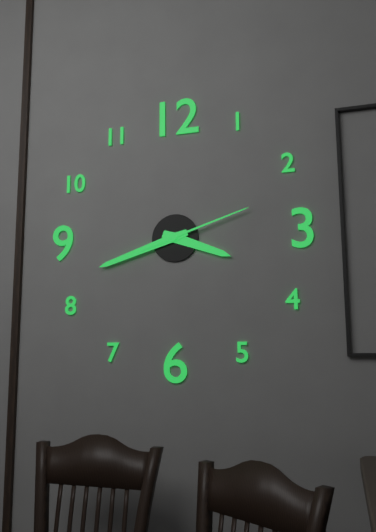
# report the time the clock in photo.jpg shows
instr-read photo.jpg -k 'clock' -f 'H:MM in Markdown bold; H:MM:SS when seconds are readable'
**3:42:12**
